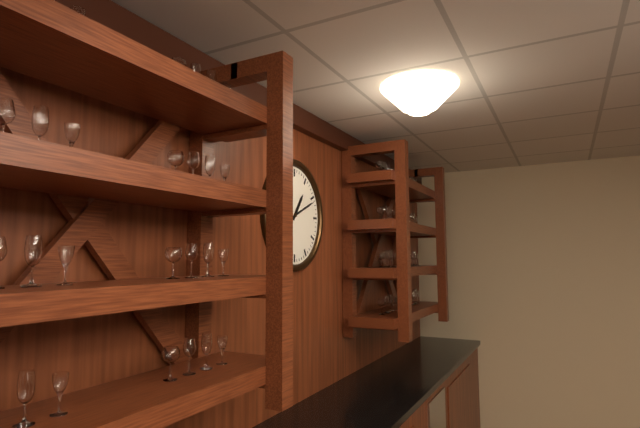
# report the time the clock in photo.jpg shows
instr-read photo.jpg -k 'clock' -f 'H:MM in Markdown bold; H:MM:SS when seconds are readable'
**1:11**
